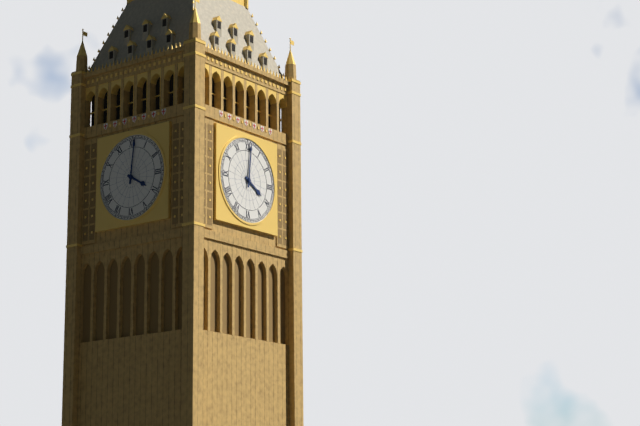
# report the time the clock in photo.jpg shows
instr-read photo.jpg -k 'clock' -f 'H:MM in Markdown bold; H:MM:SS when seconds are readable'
**4:01**
